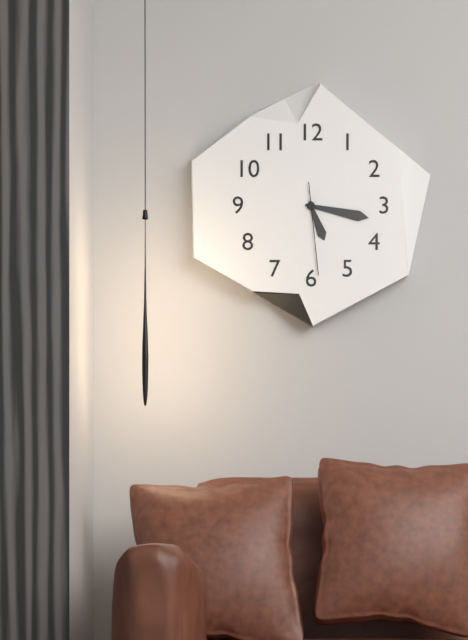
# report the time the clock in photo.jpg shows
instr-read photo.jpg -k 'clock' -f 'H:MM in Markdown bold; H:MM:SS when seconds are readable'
**5:17:29**
